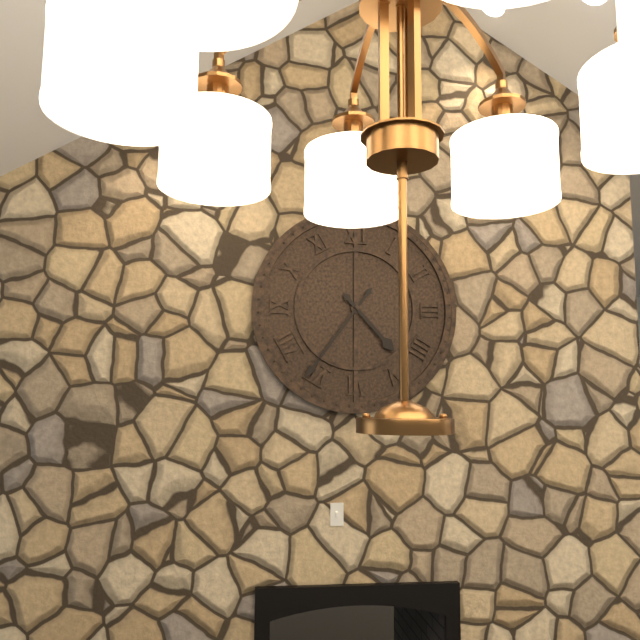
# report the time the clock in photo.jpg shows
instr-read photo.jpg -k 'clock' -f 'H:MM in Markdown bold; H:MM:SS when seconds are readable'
**4:36**
